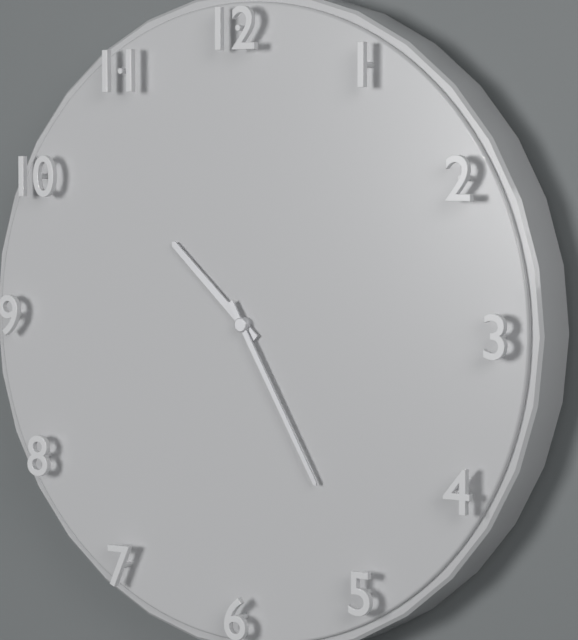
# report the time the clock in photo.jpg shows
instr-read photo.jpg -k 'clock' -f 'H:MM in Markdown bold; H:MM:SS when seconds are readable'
**10:25**
